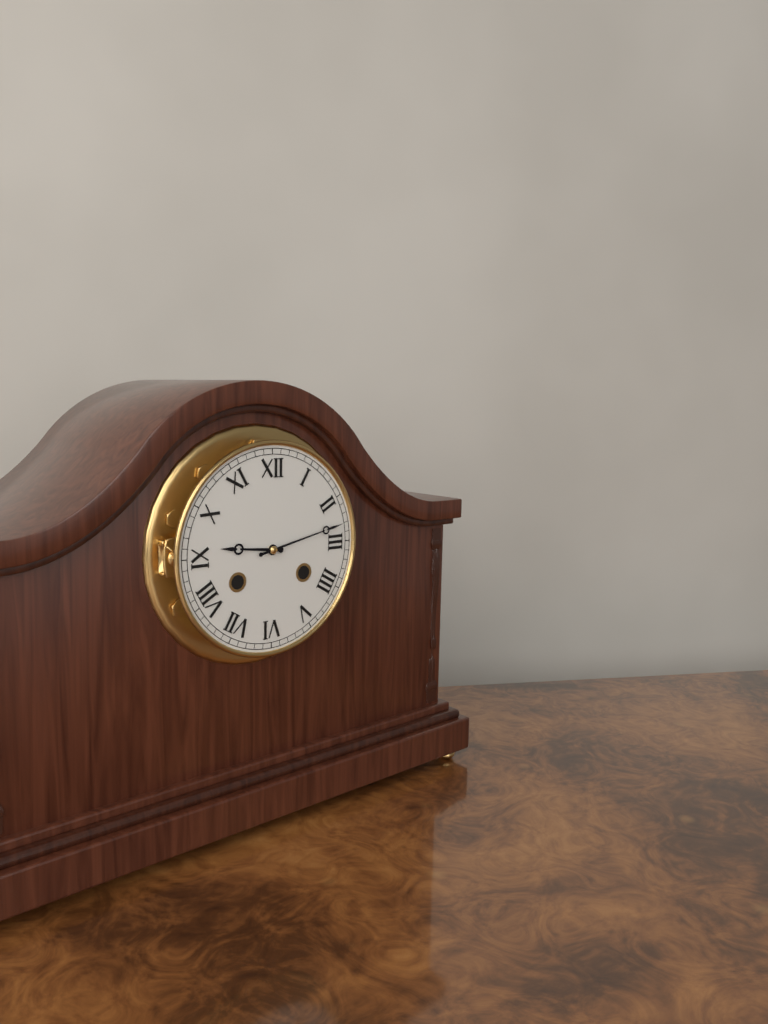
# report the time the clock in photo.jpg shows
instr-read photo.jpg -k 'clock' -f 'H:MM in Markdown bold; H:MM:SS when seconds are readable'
**9:13**
